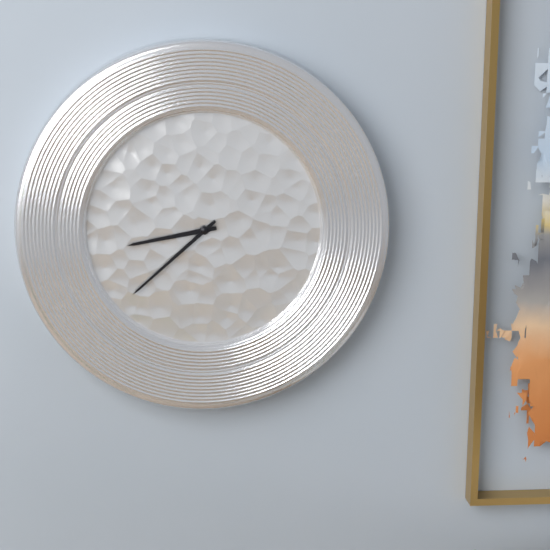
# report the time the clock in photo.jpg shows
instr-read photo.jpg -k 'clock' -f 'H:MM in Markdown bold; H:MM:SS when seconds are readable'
**8:38**
